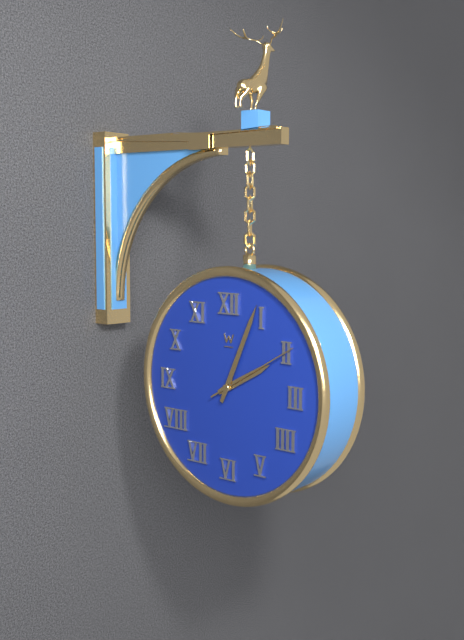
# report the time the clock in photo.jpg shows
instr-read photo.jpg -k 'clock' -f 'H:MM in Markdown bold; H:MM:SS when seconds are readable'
**2:04:10**
